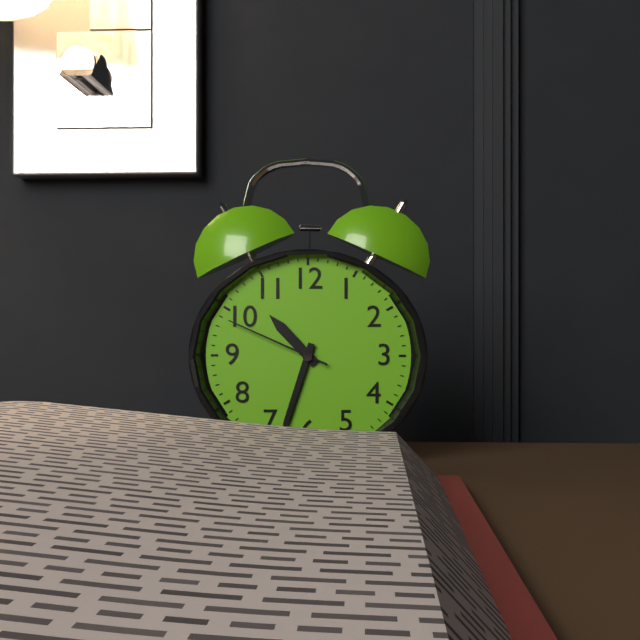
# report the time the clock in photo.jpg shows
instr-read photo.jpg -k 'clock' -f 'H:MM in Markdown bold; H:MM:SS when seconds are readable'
**10:33:49**
